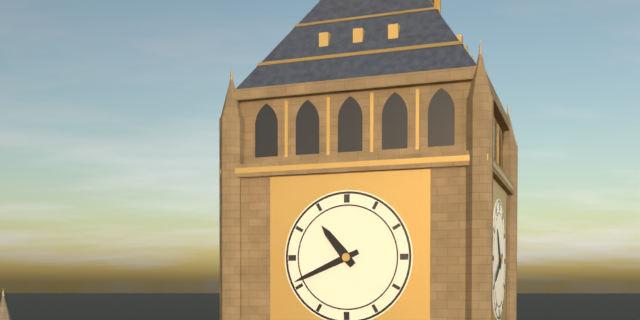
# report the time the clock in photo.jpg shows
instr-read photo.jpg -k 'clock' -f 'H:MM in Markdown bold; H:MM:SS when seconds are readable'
**10:41**
